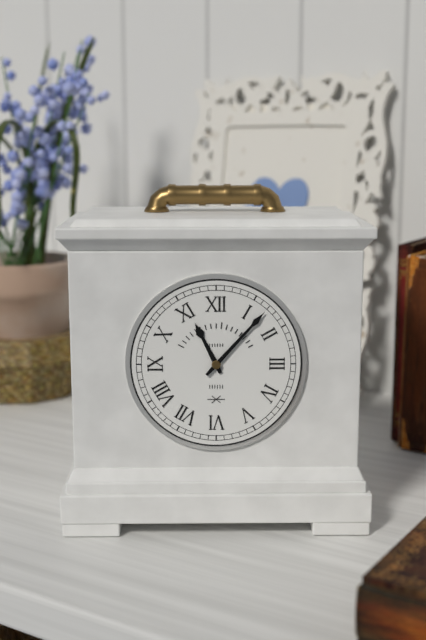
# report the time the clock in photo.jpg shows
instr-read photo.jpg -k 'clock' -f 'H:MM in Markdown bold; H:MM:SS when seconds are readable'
**11:07**
